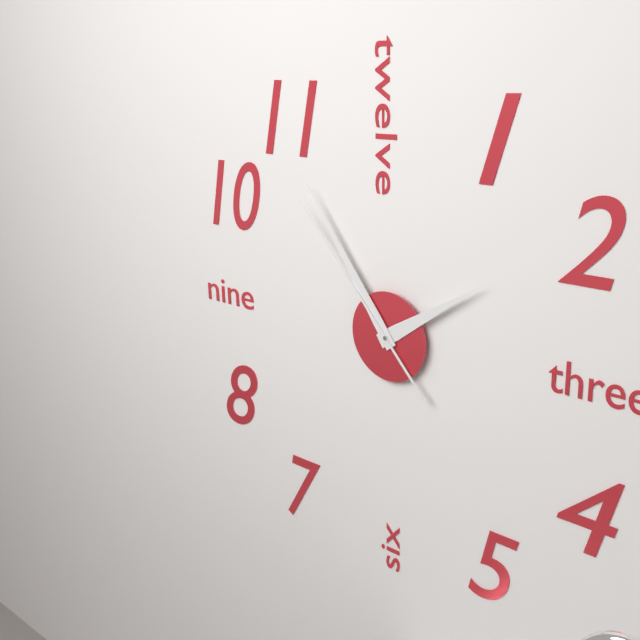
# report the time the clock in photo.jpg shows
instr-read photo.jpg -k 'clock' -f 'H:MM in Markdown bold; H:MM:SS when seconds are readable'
**1:54:53**
